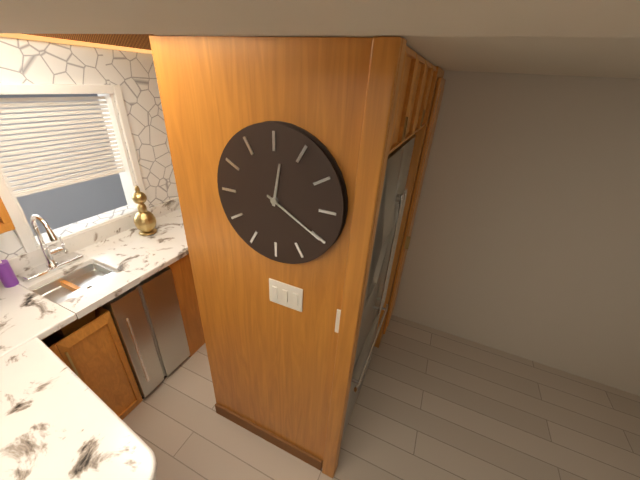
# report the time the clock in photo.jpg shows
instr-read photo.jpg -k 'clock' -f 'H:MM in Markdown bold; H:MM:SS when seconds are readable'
**12:20**
